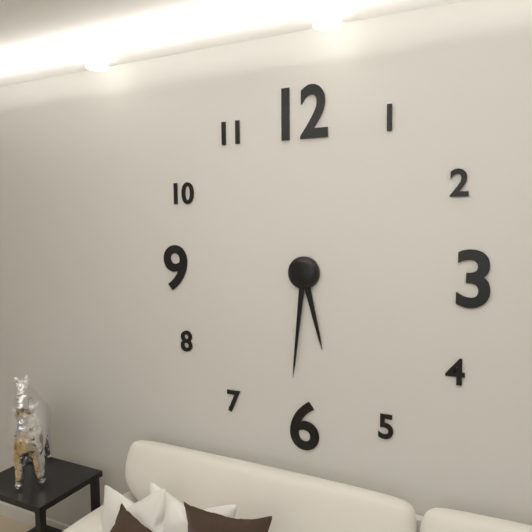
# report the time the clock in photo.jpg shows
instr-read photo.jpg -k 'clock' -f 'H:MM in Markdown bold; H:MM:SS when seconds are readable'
**5:31**
